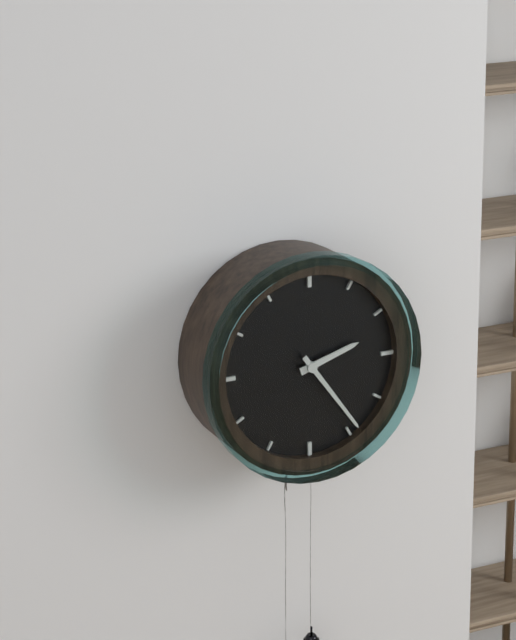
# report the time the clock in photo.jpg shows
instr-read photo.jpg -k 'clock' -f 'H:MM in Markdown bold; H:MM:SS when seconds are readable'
**2:24**
